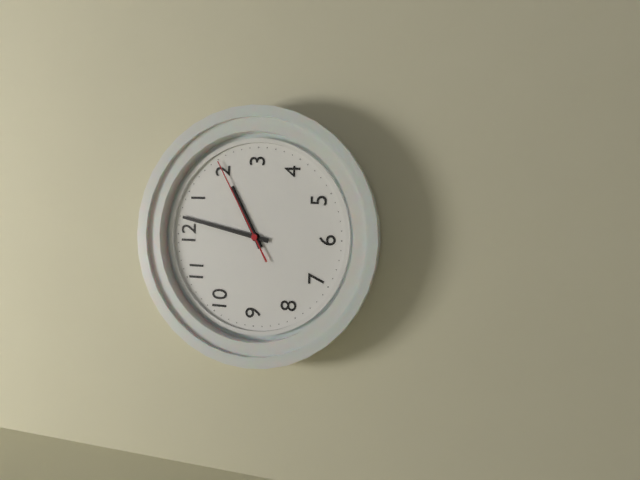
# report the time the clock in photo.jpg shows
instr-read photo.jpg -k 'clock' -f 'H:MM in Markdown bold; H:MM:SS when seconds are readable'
**2:02:10**
